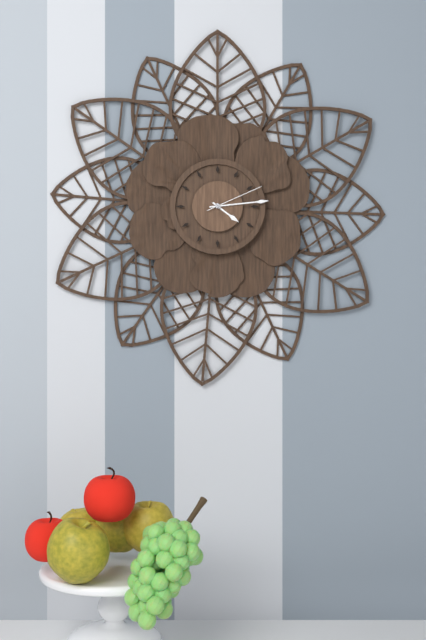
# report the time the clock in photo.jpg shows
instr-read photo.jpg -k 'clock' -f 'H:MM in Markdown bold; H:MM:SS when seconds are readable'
**4:14:11**
